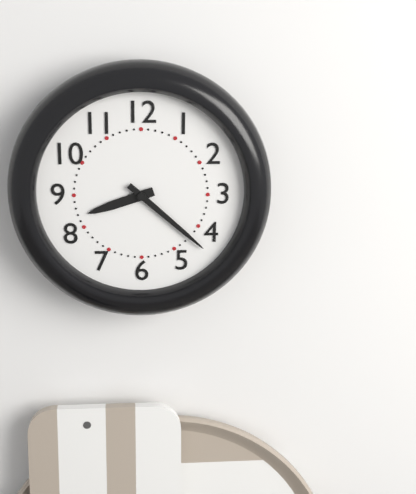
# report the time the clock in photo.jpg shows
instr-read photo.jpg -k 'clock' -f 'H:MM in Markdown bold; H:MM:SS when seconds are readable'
**8:22**
